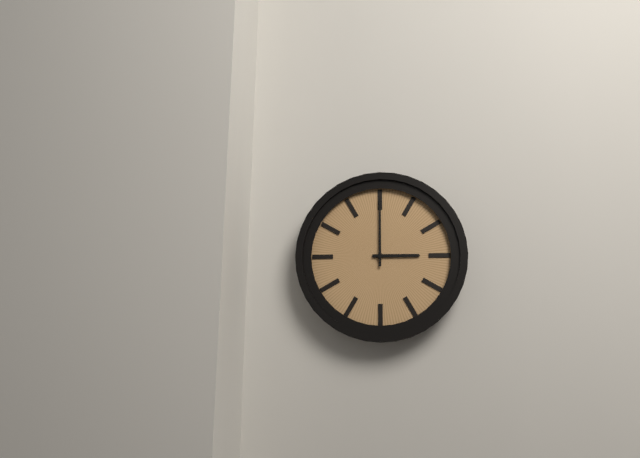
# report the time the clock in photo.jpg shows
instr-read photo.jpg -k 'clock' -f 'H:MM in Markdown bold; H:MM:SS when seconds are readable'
**3:00**
